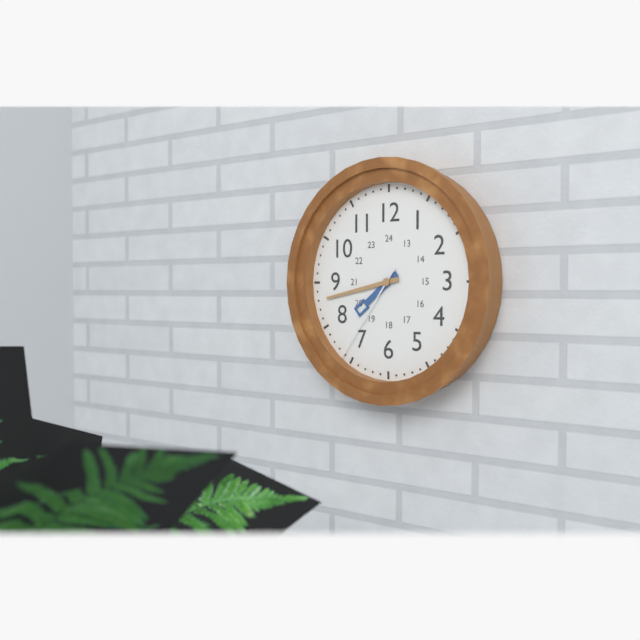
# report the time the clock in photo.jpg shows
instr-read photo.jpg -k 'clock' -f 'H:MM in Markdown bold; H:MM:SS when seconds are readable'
**7:43:36**
